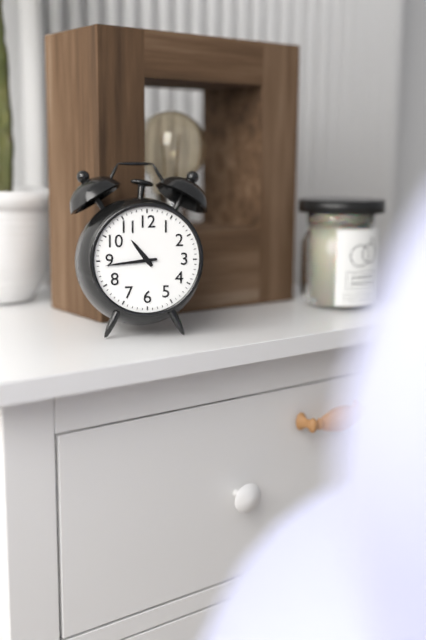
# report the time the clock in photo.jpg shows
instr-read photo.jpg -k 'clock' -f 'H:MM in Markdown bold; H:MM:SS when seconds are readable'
**10:44**
